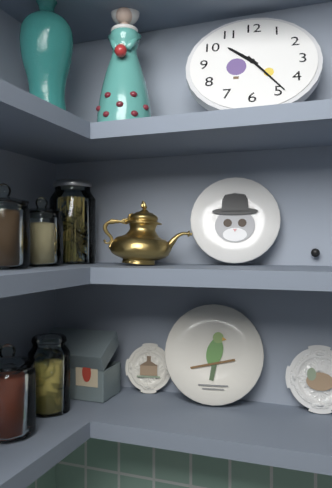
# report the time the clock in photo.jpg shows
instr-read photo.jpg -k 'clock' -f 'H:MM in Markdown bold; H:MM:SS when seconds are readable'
**10:24**
